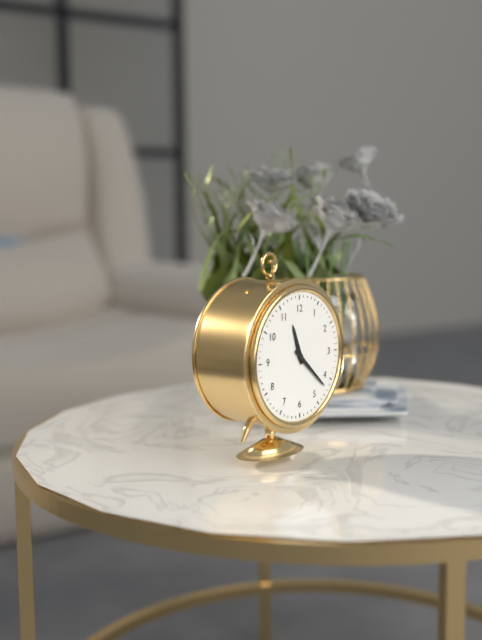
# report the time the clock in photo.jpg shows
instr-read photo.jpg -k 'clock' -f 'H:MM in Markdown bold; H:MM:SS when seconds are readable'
**11:22**
